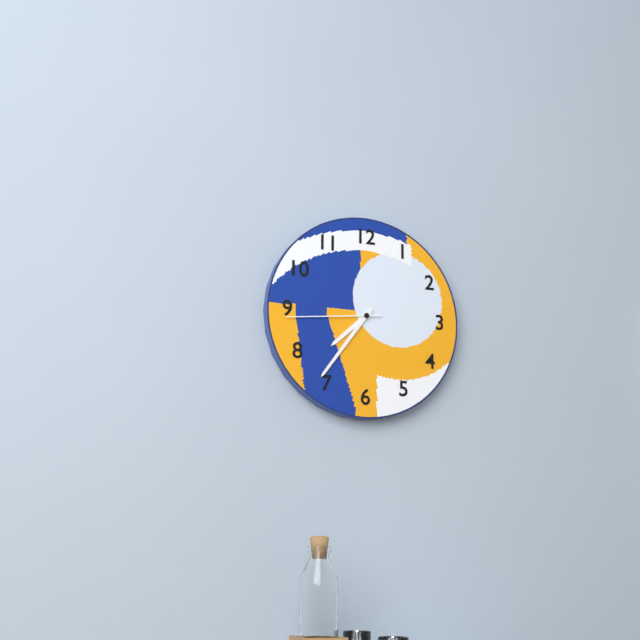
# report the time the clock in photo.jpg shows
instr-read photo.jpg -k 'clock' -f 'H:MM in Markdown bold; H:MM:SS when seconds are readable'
**7:36:44**
